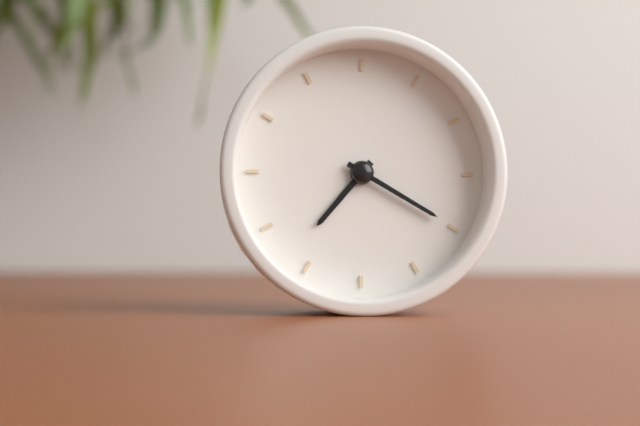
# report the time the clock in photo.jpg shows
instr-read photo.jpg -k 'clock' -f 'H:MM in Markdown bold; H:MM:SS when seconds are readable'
**7:20**
